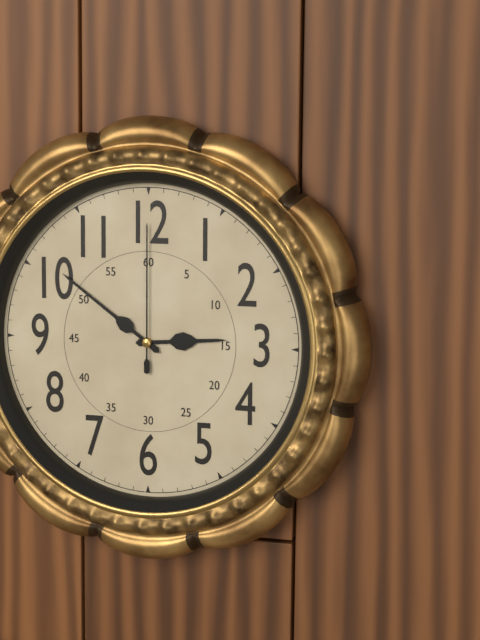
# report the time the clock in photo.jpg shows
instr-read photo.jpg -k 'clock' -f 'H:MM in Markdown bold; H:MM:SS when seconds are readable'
**2:51:00**
